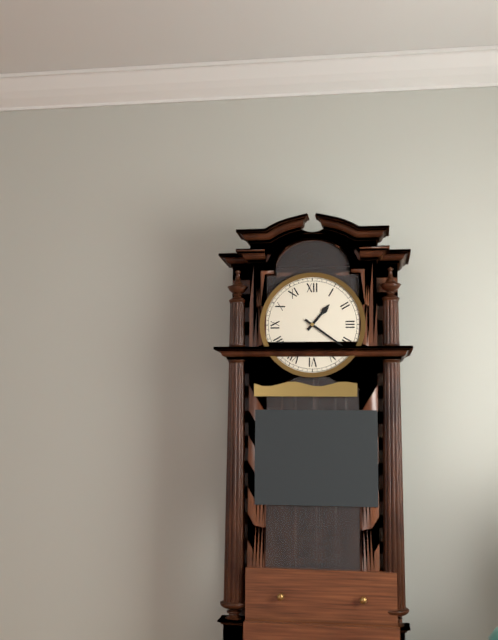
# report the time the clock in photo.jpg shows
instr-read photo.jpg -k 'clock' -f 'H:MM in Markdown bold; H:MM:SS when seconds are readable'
**1:21**
